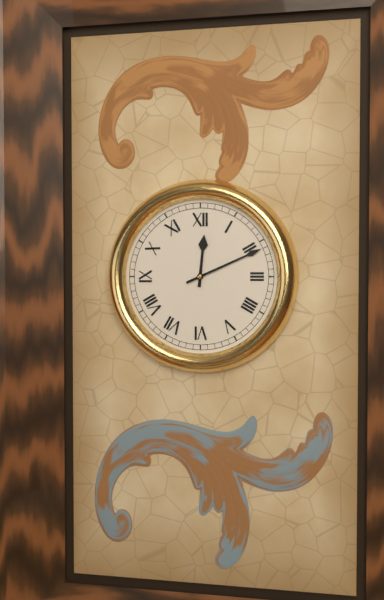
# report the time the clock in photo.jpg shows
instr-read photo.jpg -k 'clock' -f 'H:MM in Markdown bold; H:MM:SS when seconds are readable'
**12:11**
